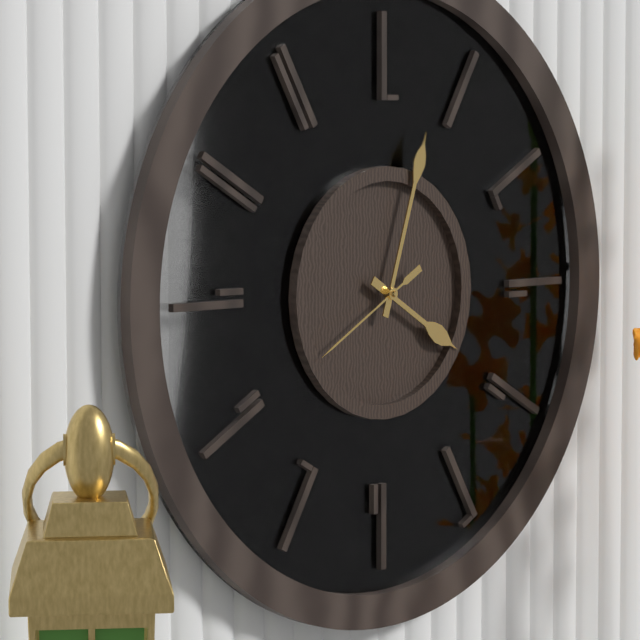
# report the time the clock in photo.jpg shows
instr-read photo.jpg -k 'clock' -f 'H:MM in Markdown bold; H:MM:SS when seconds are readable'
**4:03:40**
